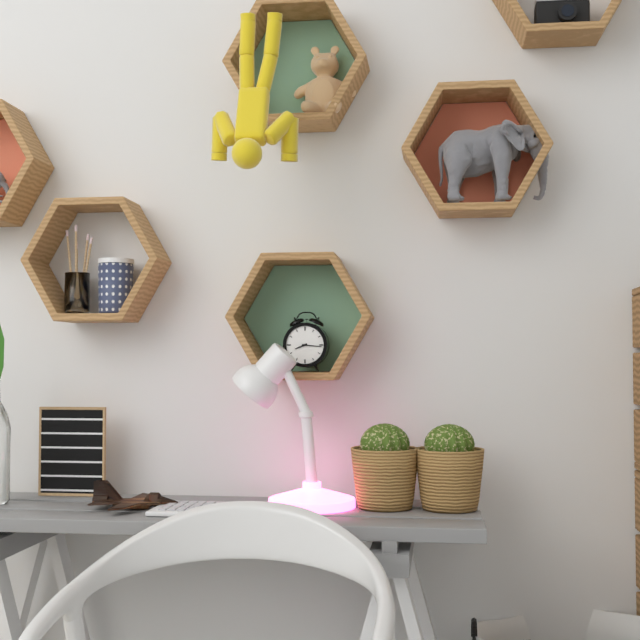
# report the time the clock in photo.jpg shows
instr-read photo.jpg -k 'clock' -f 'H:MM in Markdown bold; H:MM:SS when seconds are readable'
**8:16**
